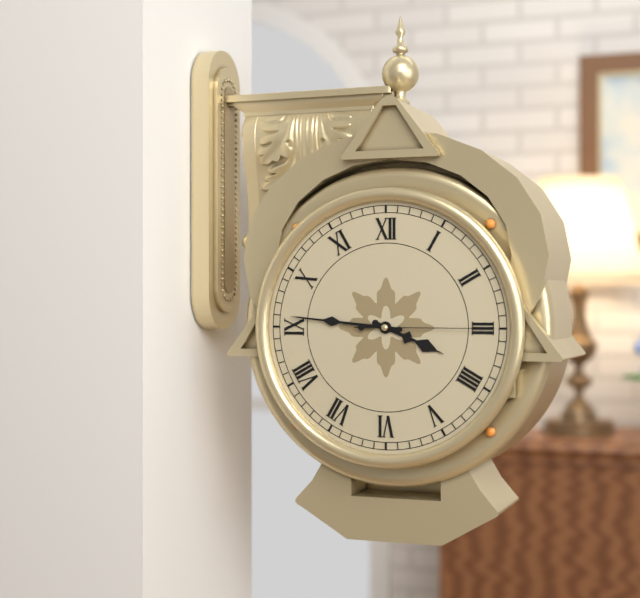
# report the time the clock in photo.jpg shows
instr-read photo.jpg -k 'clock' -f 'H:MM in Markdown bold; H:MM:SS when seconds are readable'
**3:46:15**
